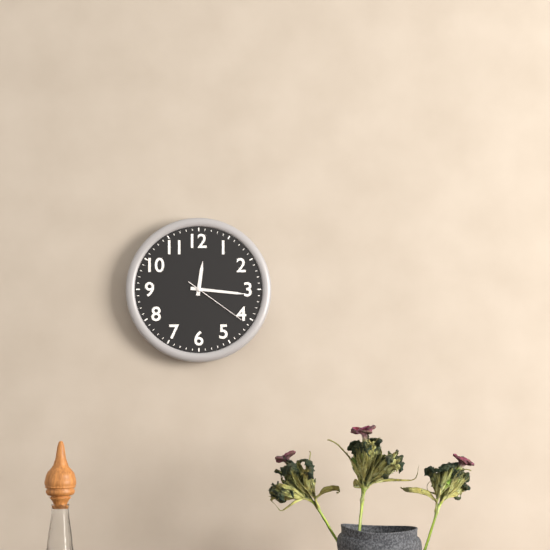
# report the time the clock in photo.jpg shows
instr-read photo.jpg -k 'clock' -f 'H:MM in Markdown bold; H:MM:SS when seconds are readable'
**12:16:21**
